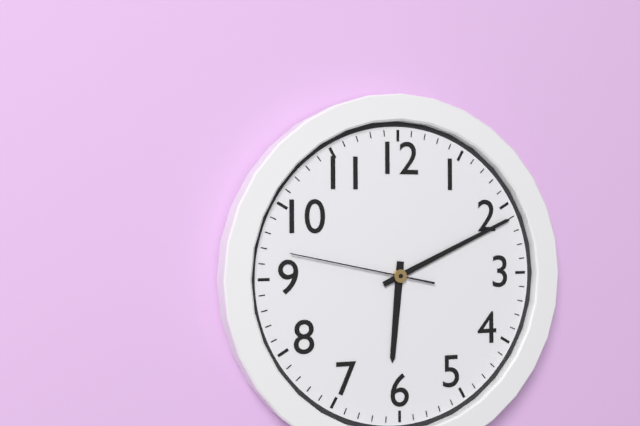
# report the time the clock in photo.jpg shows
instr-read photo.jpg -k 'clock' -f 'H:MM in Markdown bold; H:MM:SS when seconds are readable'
**6:11:47**
